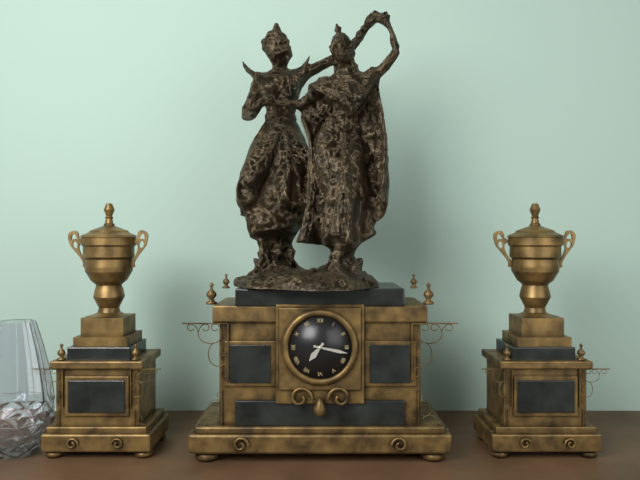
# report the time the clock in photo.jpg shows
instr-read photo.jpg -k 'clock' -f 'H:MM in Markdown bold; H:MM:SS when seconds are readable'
**7:17**
